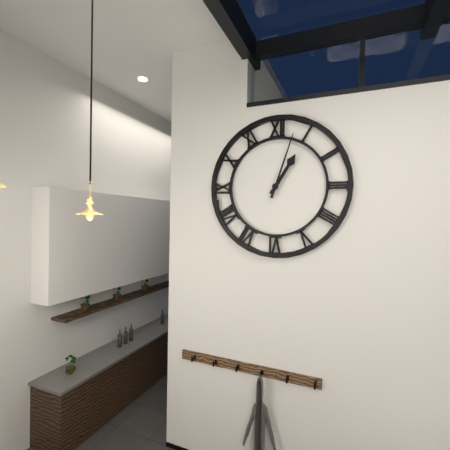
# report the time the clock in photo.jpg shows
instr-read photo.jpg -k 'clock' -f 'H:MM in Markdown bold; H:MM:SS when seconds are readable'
**1:03**
